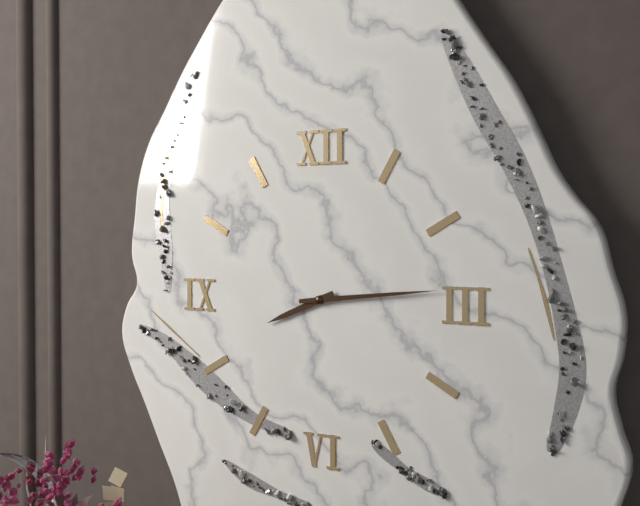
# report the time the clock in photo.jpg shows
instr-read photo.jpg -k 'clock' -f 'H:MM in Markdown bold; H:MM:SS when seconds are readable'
**8:14**
